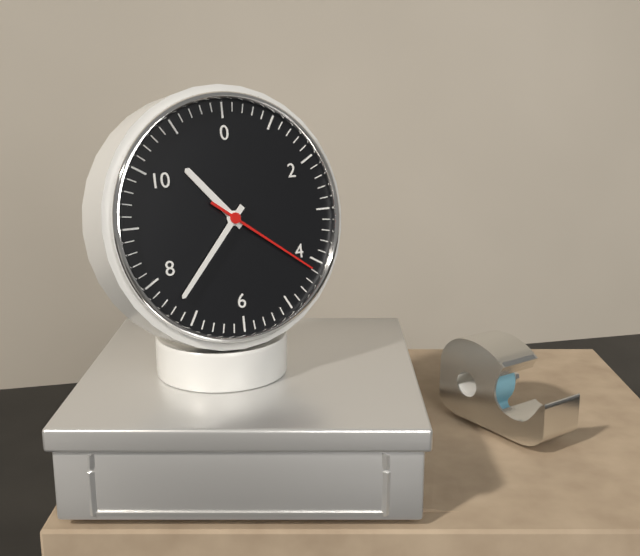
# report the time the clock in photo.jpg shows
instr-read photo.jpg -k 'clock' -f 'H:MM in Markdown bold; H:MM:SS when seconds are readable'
**10:37:21**
